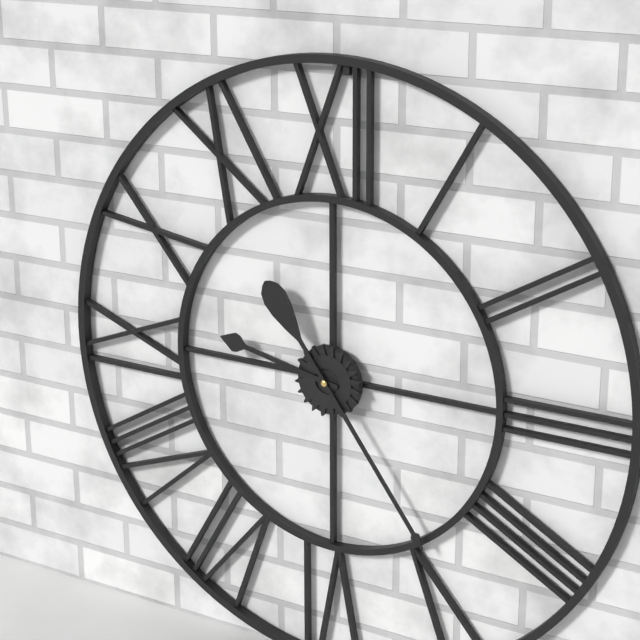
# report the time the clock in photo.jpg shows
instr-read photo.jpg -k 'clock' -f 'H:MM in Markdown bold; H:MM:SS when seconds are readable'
**9:24**
